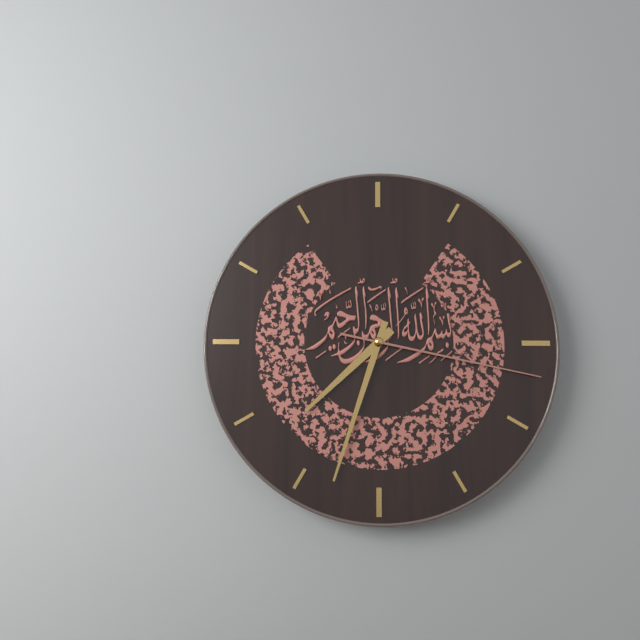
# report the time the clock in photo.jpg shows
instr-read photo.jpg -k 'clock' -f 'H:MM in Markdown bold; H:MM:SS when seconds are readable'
**7:33:17**
